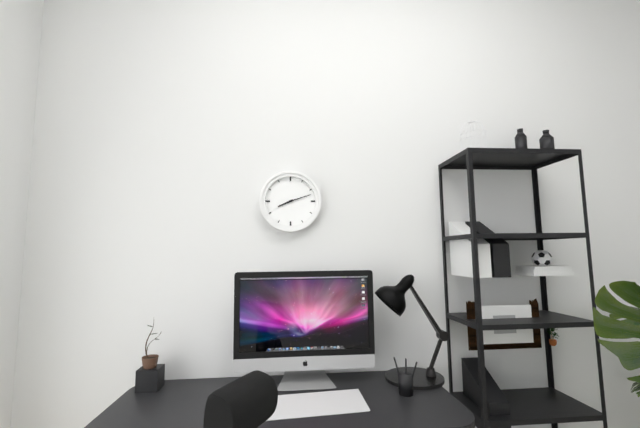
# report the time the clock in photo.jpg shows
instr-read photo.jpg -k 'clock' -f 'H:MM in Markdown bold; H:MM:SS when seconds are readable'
**8:12**
